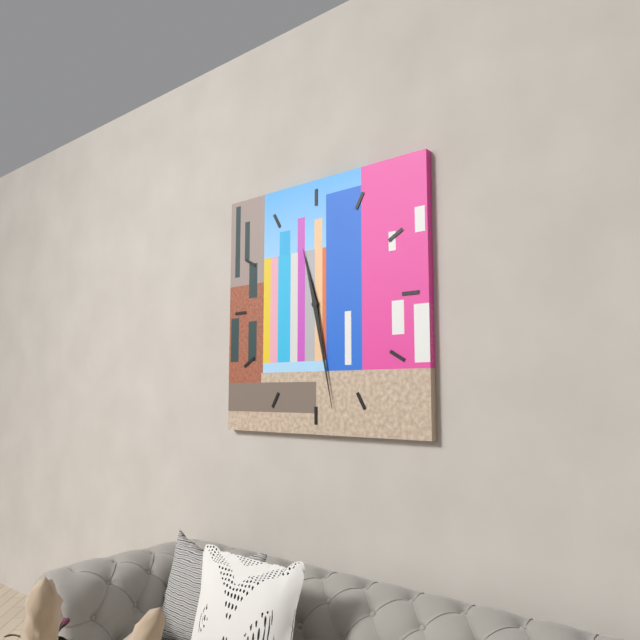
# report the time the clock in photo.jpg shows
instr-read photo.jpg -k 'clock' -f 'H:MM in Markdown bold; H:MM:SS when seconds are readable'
**11:28**
